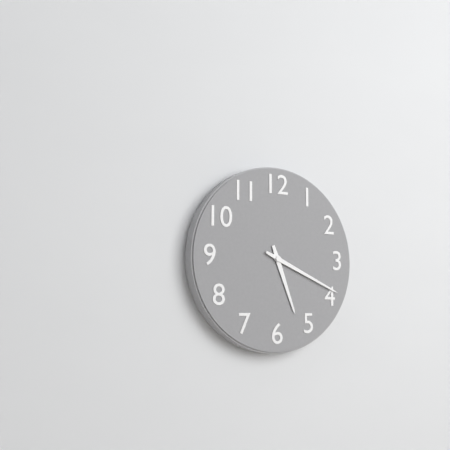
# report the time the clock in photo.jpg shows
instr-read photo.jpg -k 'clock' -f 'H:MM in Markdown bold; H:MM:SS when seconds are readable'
**5:19**
